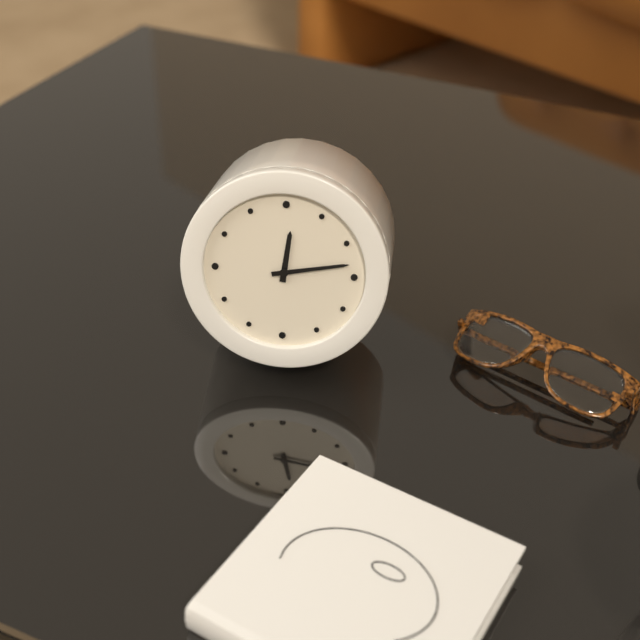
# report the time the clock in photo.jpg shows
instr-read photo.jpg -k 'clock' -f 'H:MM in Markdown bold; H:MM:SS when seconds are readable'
**12:13**
